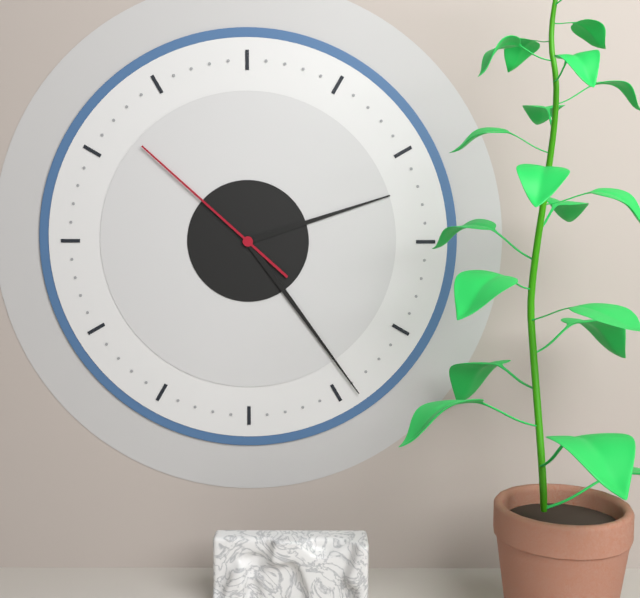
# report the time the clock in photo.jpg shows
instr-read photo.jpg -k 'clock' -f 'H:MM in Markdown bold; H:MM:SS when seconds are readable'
**2:24:52**
